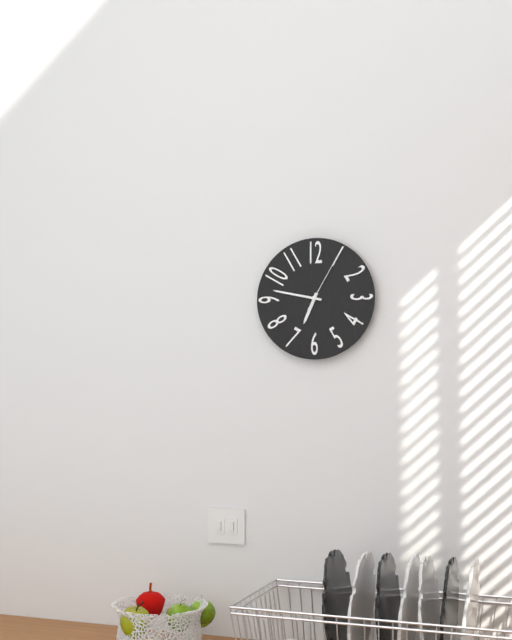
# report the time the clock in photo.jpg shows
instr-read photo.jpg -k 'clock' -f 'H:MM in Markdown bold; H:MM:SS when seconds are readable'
**6:47:05**
